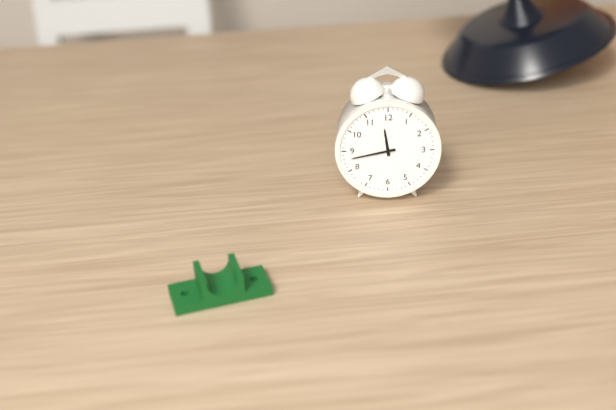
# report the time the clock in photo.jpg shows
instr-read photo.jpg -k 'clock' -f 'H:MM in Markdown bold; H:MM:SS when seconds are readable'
**11:43**
